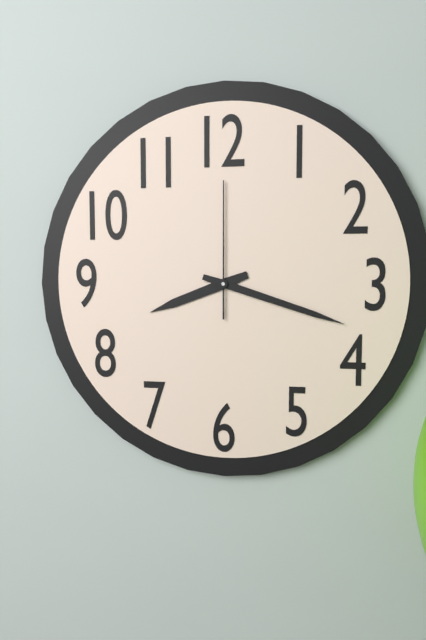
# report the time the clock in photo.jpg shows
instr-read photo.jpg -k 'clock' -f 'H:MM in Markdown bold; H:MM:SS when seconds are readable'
**8:18:00**
